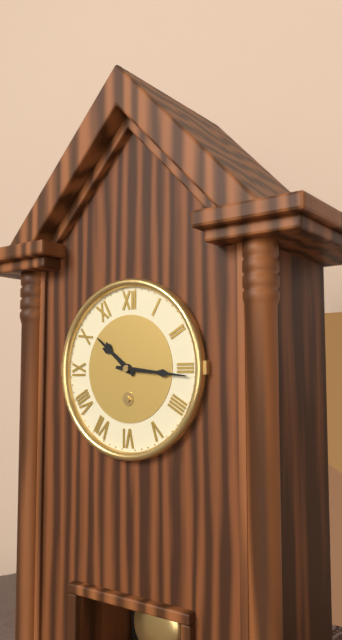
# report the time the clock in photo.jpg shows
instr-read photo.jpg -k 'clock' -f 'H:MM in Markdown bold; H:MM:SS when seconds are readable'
**10:16**
